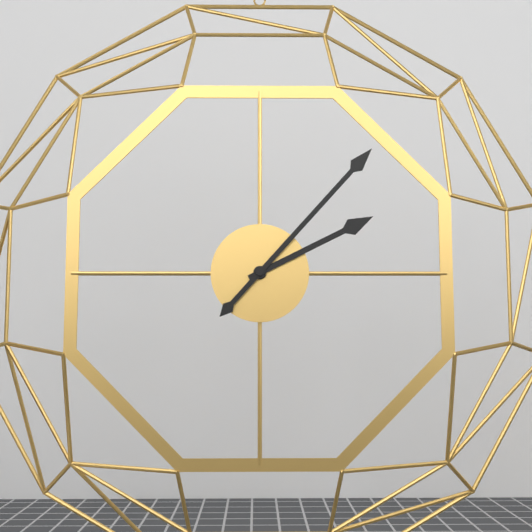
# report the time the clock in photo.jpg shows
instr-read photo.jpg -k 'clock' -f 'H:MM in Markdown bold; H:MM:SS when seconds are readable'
**2:07**
